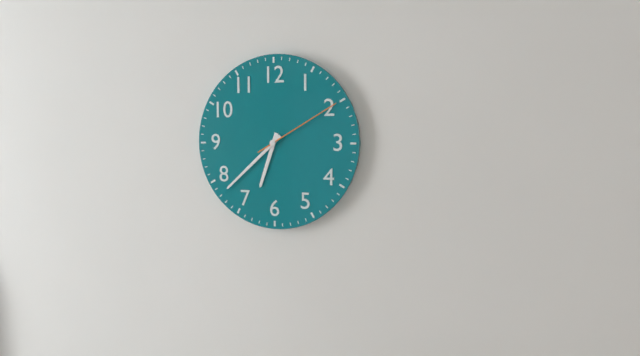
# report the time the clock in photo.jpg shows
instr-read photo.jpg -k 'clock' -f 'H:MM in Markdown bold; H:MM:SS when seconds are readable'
**6:38:10**
